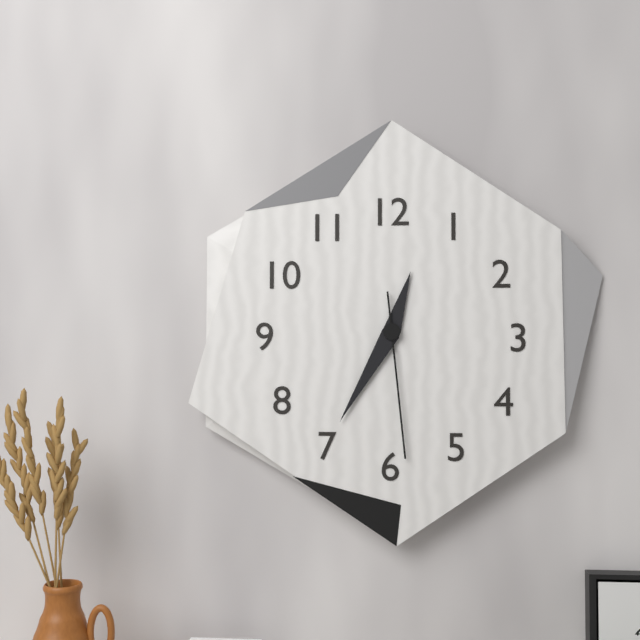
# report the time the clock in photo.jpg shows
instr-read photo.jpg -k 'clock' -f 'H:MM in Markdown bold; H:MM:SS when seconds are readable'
**12:35:29**
